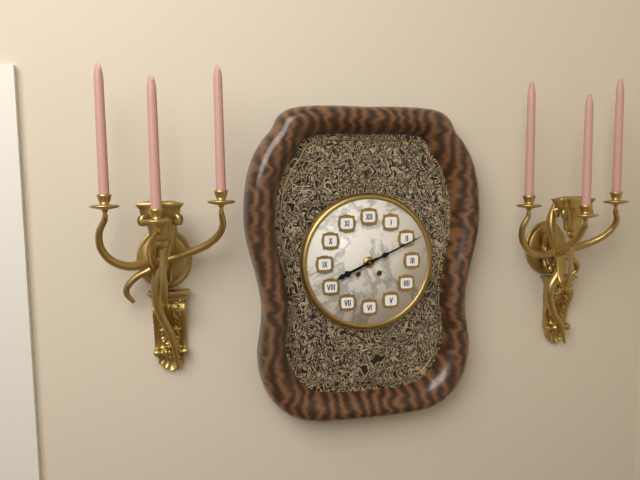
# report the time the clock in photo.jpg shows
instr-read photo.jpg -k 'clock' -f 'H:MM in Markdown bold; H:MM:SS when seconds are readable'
**8:11**
